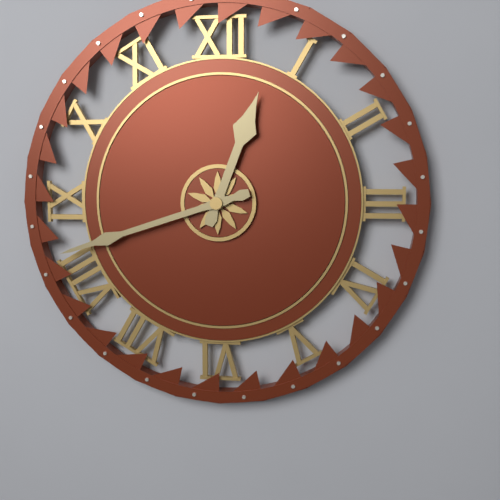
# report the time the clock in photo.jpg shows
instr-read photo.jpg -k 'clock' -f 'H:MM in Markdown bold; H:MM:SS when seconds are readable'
**12:42**
